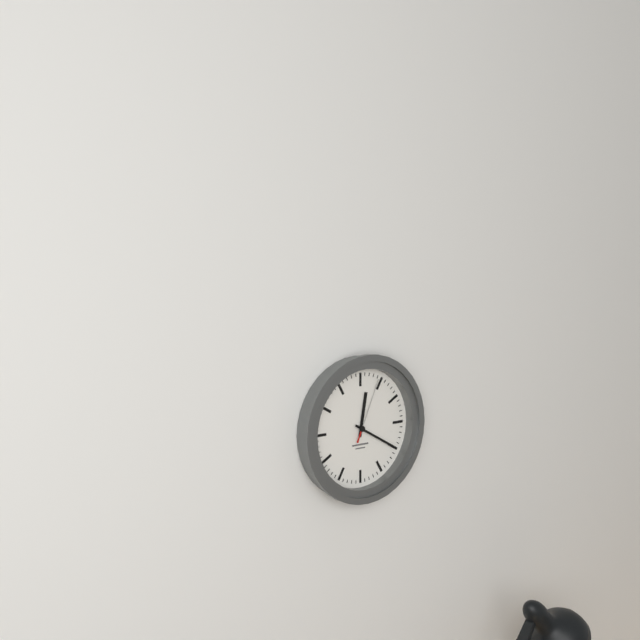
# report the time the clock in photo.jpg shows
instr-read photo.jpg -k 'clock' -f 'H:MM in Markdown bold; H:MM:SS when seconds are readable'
**12:20:04**
